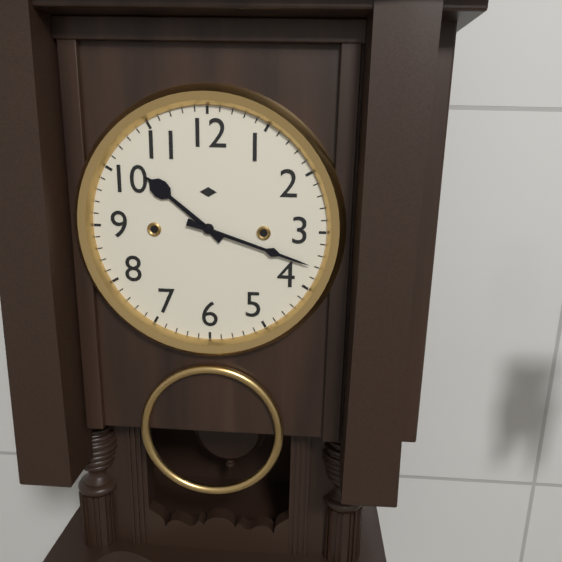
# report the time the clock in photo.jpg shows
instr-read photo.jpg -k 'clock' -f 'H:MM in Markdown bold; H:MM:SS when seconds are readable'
**10:18**
